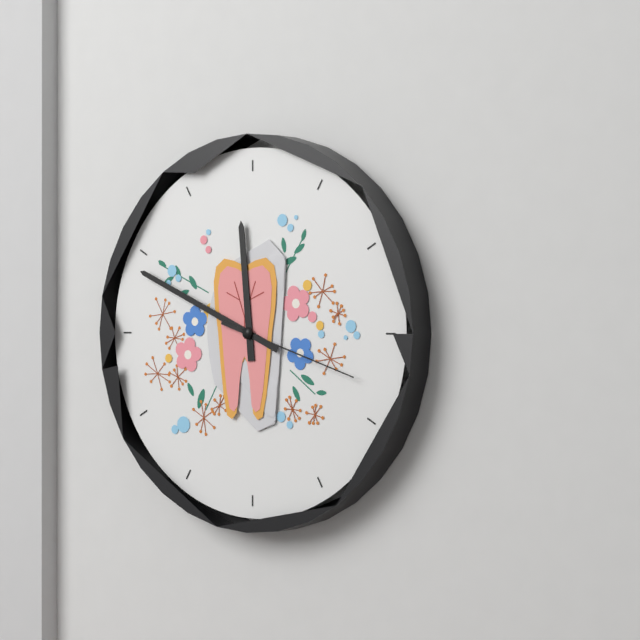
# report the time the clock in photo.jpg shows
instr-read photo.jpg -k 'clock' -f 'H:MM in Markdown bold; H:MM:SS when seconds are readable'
**11:49:18**
